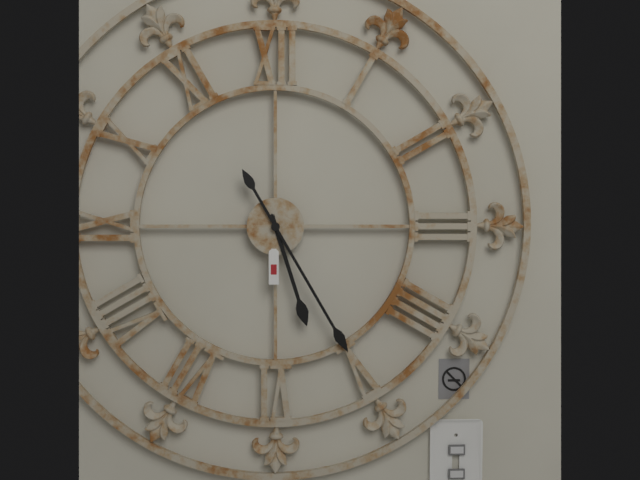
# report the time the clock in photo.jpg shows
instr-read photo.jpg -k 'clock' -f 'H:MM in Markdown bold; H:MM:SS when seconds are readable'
**5:25**
